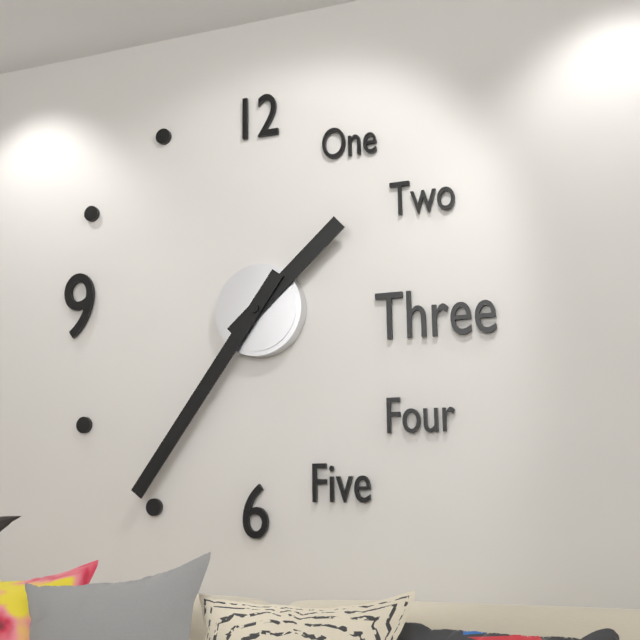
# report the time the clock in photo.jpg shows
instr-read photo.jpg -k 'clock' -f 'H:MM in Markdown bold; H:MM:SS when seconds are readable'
**1:36**
